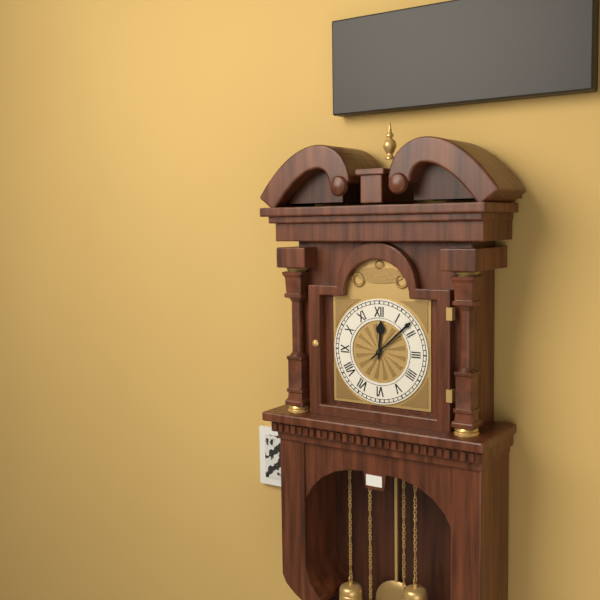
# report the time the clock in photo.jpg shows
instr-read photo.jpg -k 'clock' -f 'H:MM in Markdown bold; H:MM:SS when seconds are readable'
**12:08**
